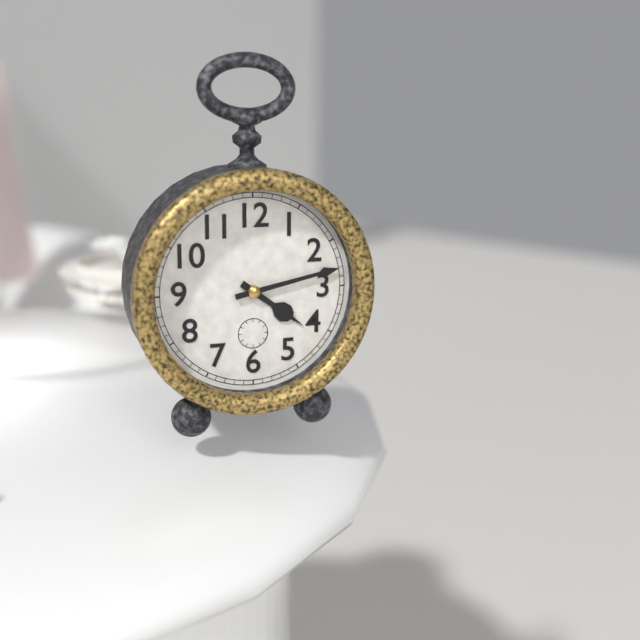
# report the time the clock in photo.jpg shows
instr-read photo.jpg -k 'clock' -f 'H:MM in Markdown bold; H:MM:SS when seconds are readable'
**4:13**
